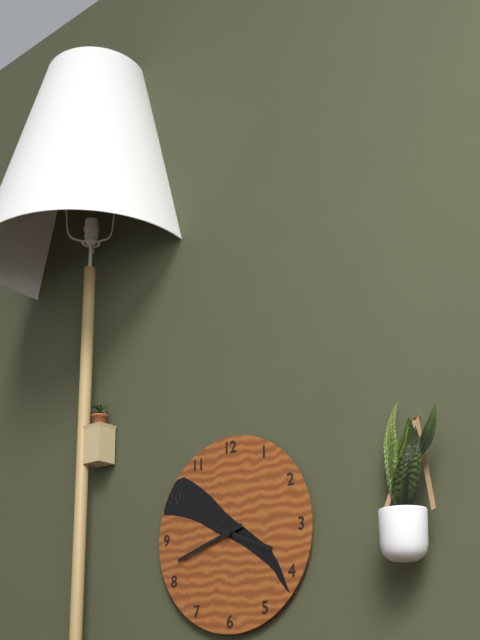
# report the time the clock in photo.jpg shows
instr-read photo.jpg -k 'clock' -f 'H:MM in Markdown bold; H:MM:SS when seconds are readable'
**3:42**
